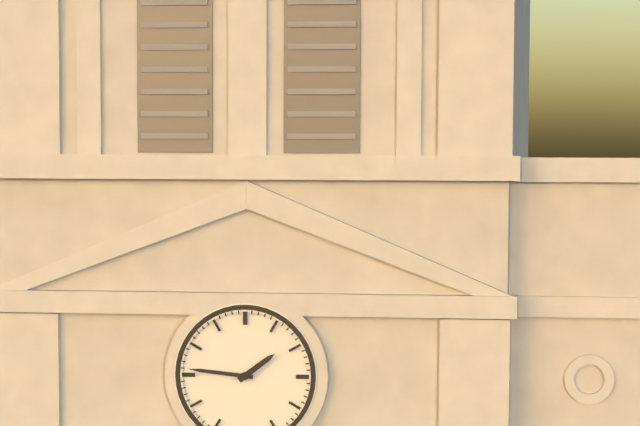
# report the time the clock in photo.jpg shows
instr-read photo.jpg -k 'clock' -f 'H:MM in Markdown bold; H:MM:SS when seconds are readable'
**1:46**
